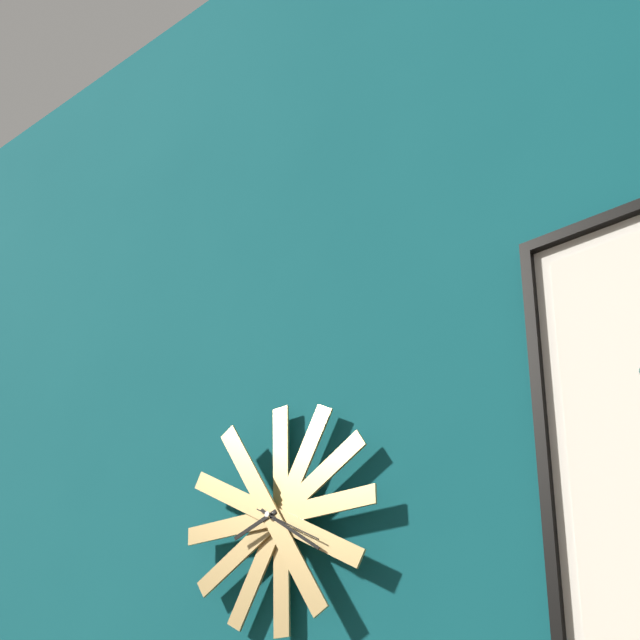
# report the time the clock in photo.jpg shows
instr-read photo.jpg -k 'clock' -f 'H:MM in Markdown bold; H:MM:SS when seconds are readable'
**8:21:20**
